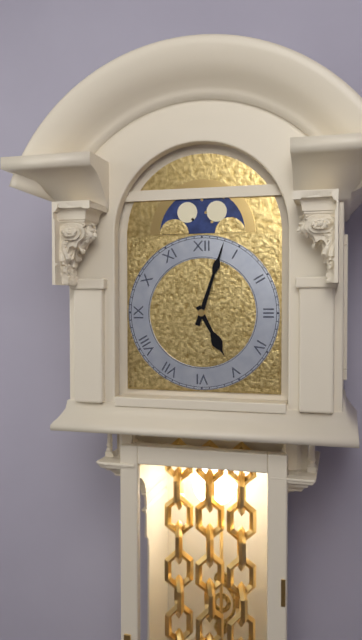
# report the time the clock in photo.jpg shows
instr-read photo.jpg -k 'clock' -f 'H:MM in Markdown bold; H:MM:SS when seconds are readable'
**5:03**
